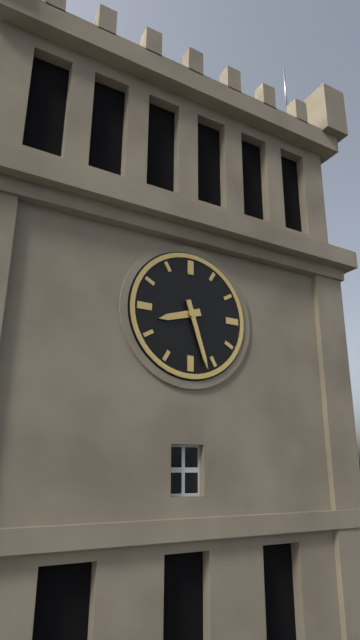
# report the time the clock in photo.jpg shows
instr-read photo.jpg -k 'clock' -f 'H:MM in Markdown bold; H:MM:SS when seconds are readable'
**8:27**
